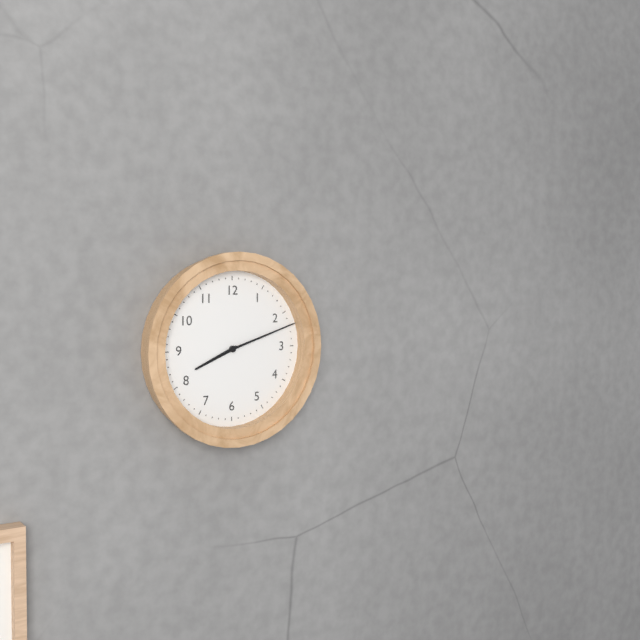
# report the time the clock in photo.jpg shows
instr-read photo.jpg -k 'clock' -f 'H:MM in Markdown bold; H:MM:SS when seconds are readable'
**8:12**
